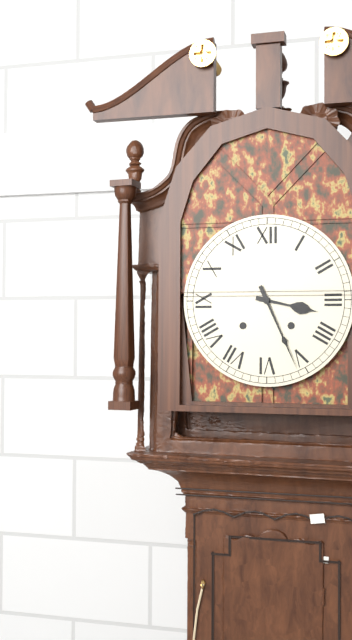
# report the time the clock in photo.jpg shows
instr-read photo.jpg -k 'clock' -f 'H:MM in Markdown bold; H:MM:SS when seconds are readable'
**3:26**
